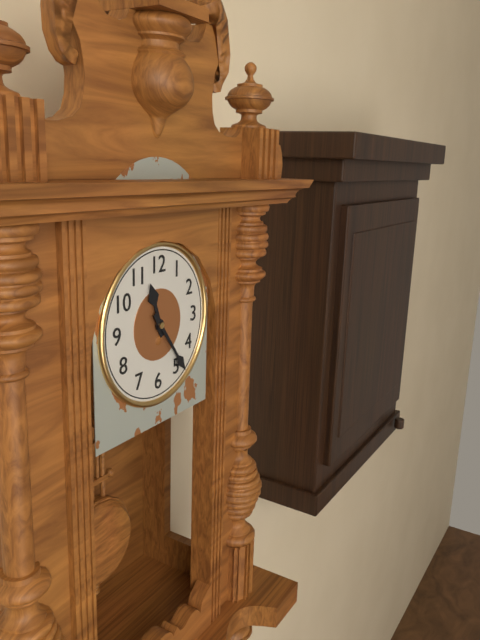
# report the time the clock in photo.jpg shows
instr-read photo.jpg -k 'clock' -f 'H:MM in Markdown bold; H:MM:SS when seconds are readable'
**11:24**
